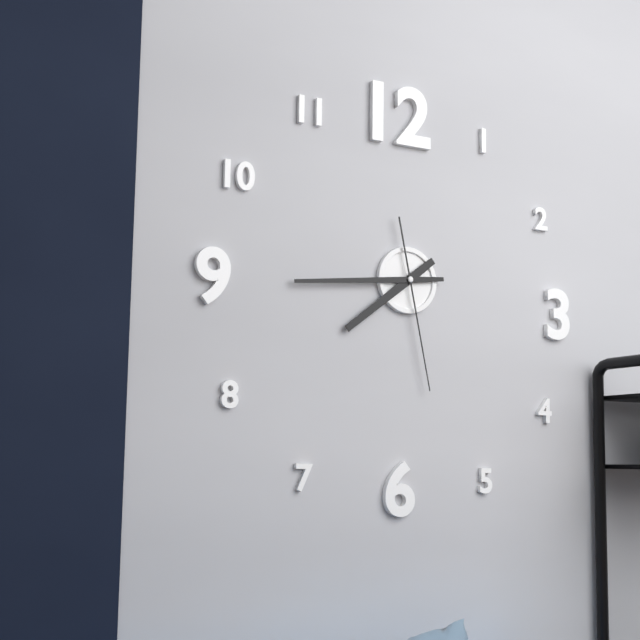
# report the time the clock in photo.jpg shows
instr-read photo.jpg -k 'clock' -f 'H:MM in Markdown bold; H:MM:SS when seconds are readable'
**7:44:28**
